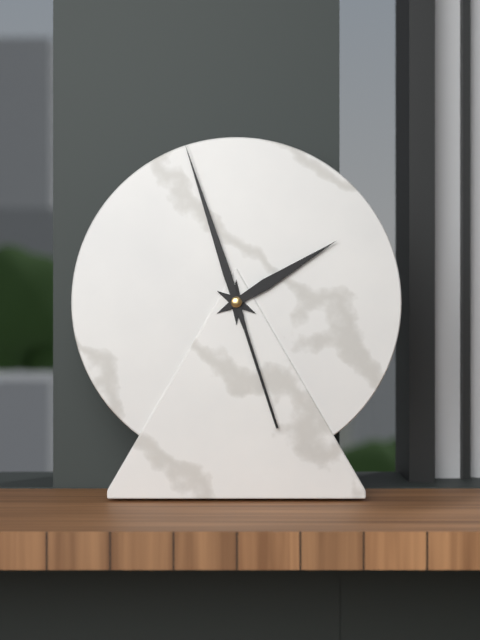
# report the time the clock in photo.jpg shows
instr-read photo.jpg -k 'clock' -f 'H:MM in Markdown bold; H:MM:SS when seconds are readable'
**1:57**
